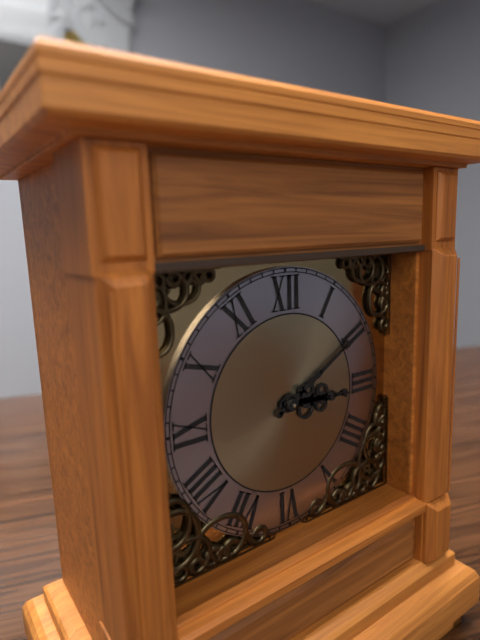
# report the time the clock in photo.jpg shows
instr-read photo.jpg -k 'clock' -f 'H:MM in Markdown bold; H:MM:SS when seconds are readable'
**3:10**
